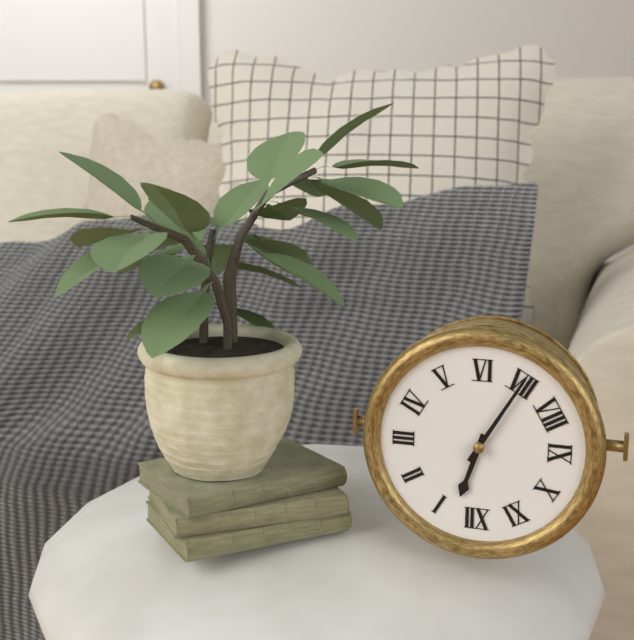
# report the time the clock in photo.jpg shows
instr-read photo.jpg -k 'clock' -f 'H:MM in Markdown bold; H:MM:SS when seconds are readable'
**12:35**
